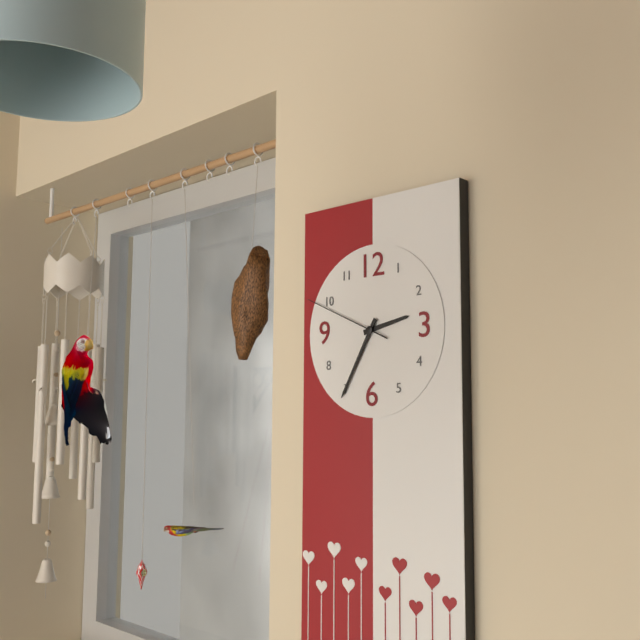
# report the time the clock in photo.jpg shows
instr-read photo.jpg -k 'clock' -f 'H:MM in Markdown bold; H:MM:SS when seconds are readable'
**2:35:49**
